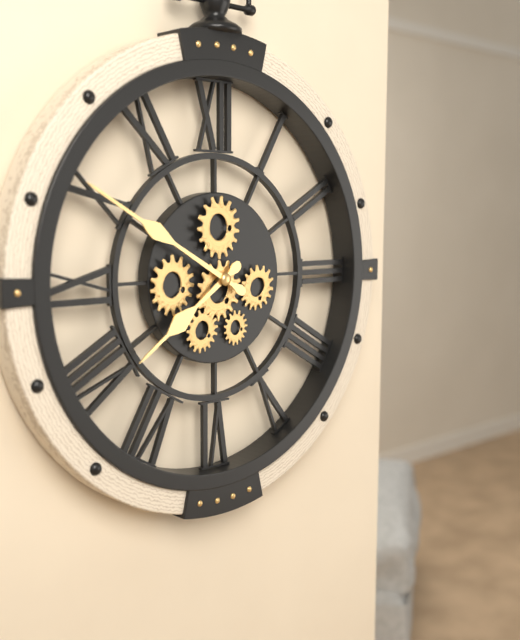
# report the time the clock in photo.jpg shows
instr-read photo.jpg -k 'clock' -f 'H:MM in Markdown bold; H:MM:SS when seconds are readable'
**7:50**
